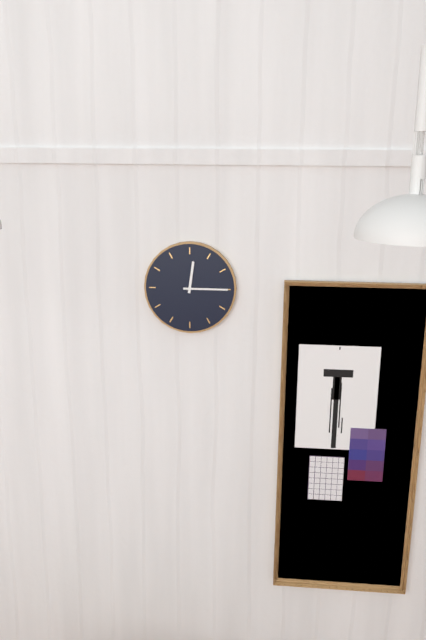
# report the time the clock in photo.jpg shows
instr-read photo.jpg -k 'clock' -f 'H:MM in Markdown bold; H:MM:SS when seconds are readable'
**12:15**
